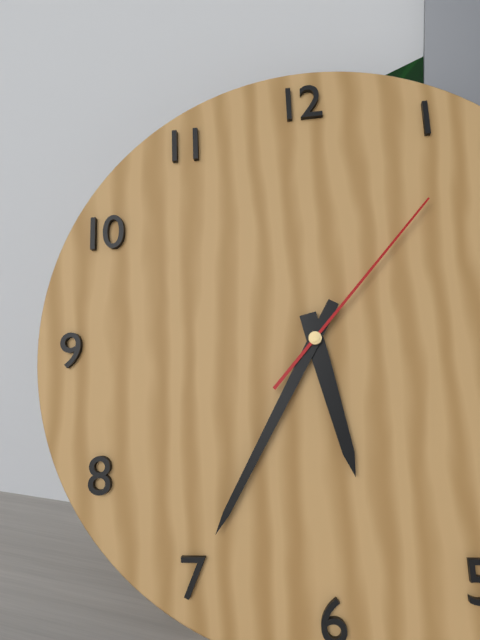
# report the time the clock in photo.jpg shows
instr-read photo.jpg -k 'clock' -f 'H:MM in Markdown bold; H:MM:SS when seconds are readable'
**5:35:07**
